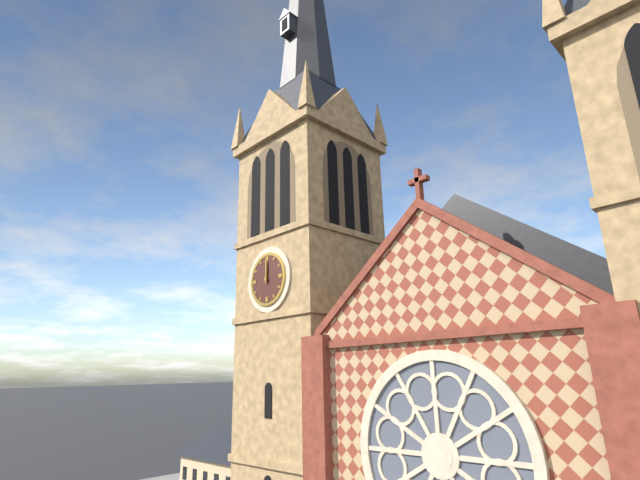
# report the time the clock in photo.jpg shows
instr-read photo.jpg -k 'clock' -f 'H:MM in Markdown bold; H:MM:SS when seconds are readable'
**12:00**
